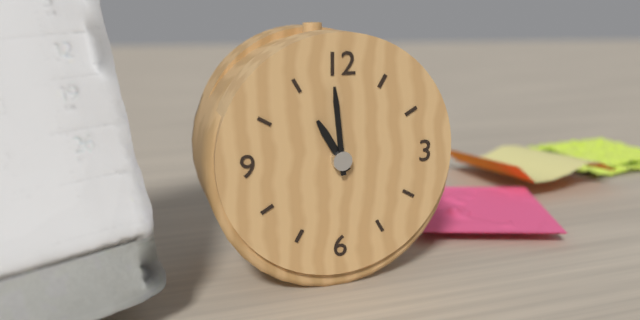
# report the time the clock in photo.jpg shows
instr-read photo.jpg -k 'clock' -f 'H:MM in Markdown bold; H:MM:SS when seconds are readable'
**10:59**
